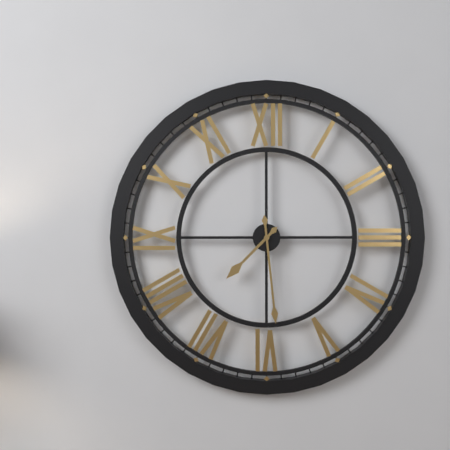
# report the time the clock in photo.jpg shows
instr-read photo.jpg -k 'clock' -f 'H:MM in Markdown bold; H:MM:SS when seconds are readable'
**7:29**
